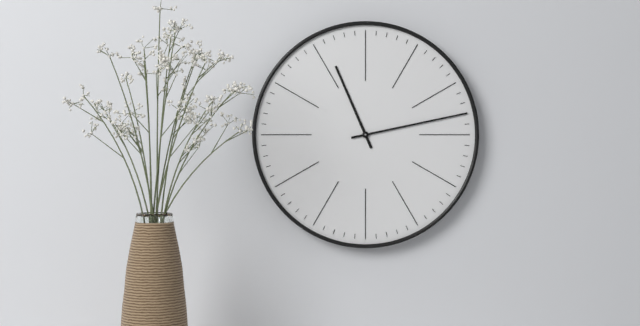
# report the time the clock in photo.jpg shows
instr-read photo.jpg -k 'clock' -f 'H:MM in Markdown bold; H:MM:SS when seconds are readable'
**11:13**
